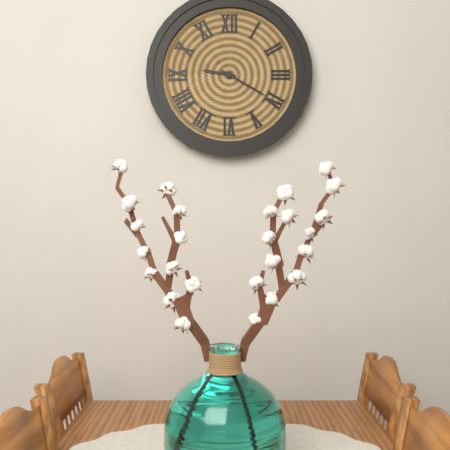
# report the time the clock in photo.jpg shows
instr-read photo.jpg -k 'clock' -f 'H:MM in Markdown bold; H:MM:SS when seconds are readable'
**9:20**
